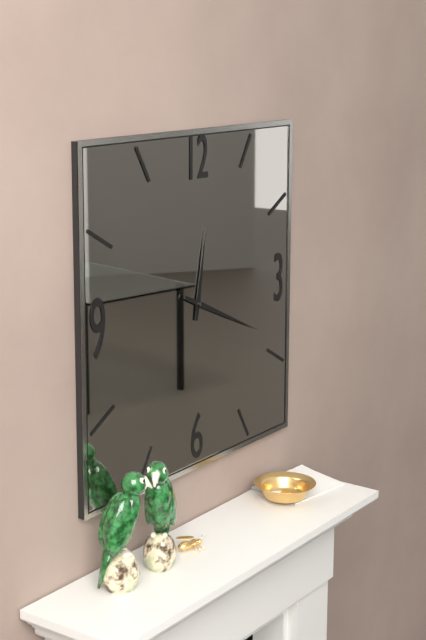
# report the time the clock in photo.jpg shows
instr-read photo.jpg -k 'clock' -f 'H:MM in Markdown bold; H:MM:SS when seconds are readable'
**12:19**
